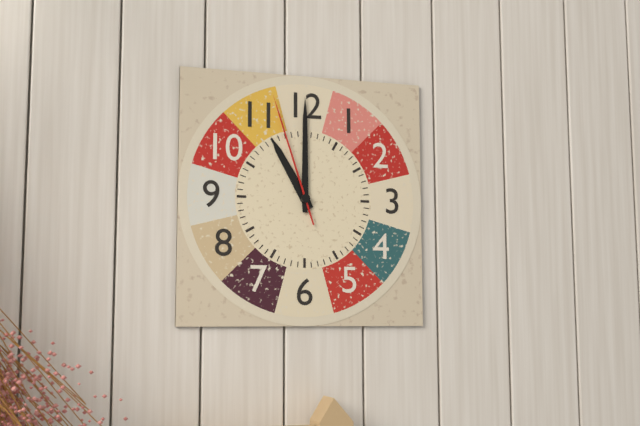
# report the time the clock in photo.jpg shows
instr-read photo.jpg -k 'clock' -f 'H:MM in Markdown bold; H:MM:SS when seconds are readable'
**11:00:57**
